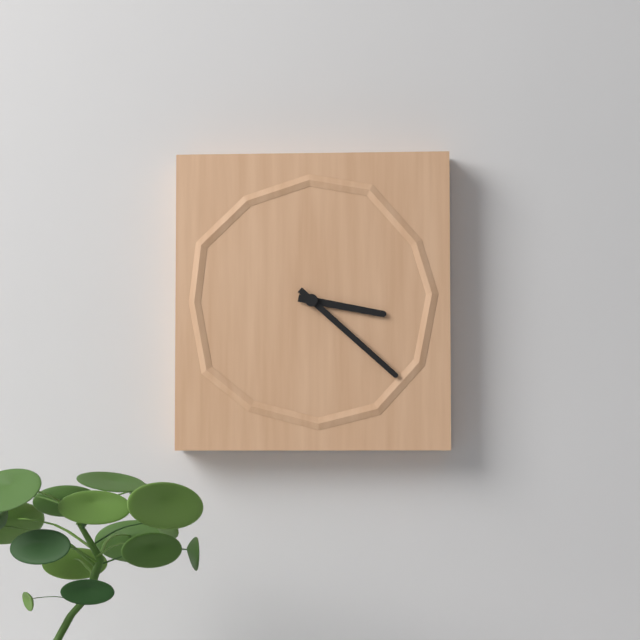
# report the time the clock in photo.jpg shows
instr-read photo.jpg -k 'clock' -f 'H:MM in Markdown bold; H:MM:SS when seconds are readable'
**3:22**
